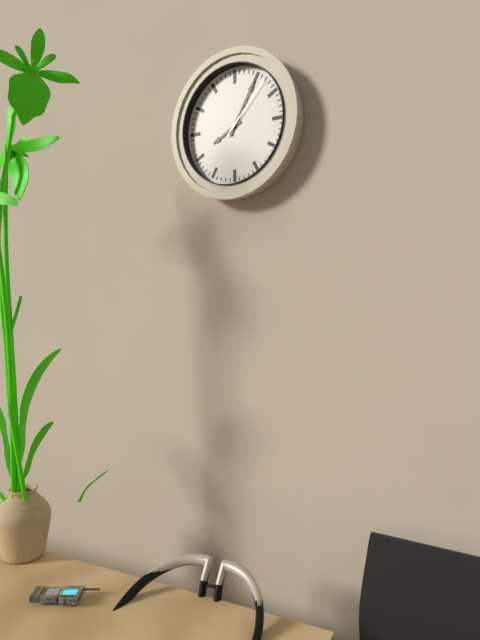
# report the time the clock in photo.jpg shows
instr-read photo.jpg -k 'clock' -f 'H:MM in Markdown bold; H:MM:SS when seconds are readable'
**8:05:07**
